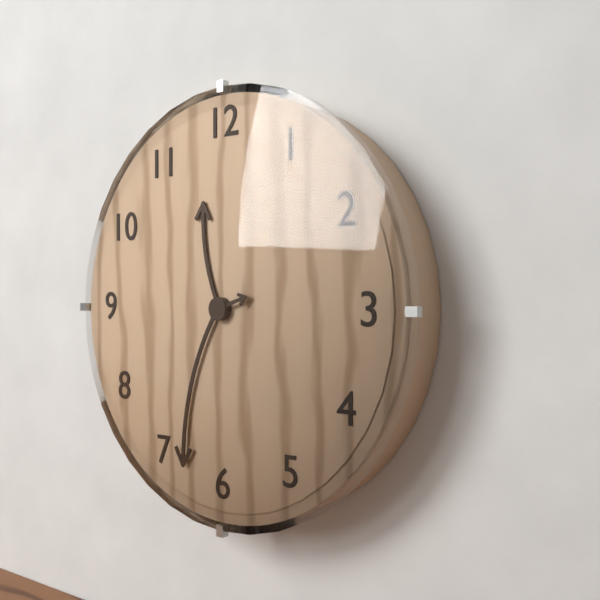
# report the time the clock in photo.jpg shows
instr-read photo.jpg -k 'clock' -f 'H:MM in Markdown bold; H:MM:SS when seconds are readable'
**11:33**
